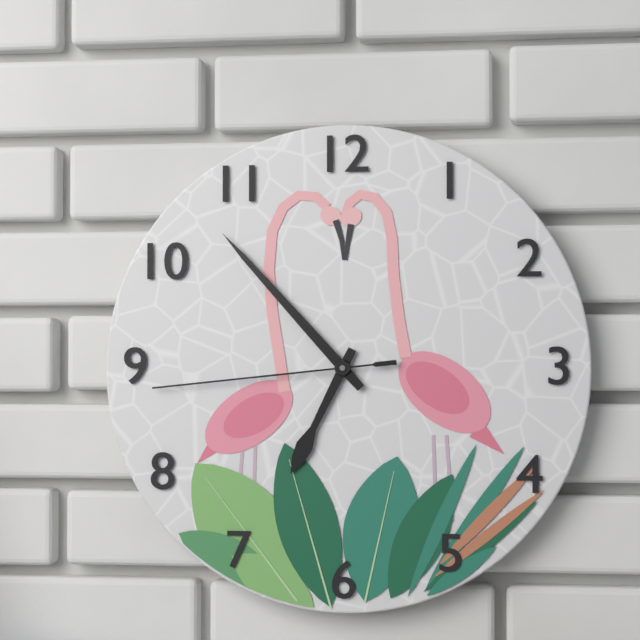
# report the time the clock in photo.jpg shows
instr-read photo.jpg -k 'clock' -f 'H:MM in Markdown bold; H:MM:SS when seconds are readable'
**6:53:44**
